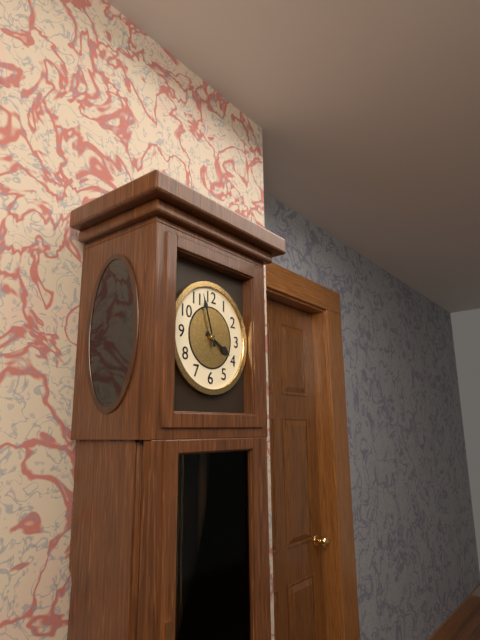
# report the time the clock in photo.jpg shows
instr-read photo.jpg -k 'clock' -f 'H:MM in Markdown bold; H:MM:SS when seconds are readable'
**3:57**
